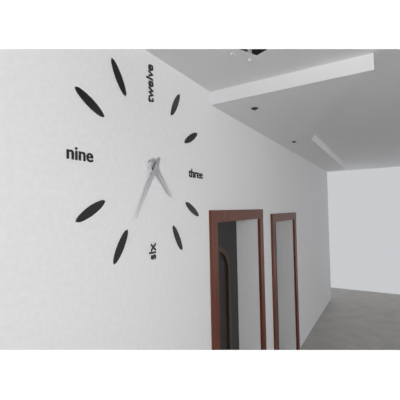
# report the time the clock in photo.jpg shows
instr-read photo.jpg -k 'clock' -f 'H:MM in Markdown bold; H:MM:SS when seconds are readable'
**4:35**
